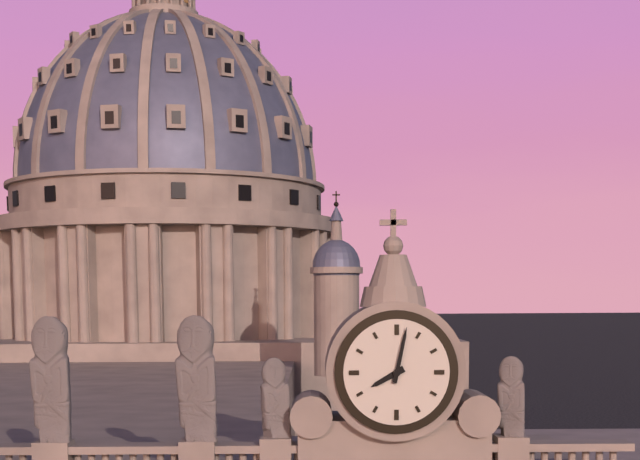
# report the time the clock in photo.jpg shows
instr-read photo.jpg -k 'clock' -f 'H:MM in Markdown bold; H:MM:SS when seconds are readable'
**8:02**
